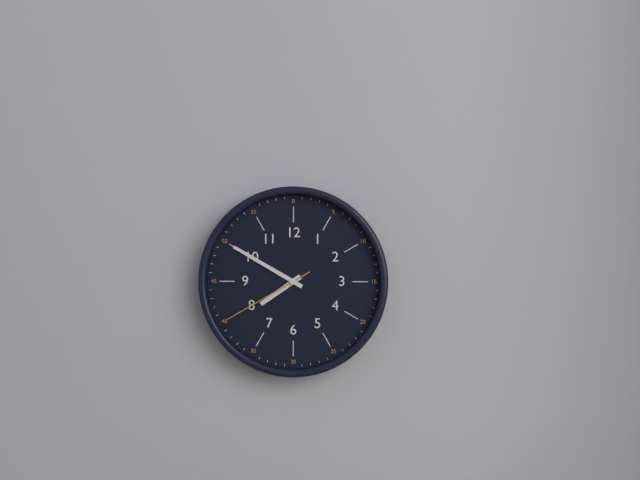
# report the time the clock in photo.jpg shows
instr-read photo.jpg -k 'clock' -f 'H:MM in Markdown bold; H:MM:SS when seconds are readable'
**7:50:40**
